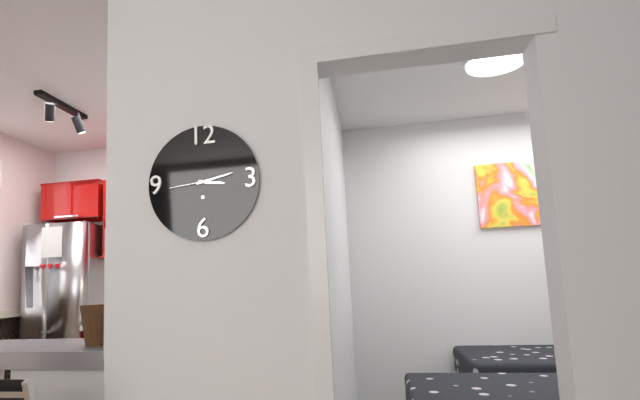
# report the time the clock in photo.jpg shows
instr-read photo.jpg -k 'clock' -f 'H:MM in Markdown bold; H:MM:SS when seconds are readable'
**3:13**
